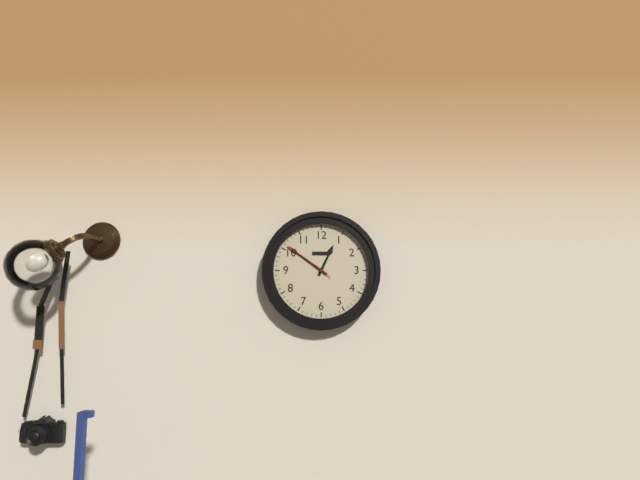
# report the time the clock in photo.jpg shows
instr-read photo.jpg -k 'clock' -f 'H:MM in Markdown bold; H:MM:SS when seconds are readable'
**12:51:51**
